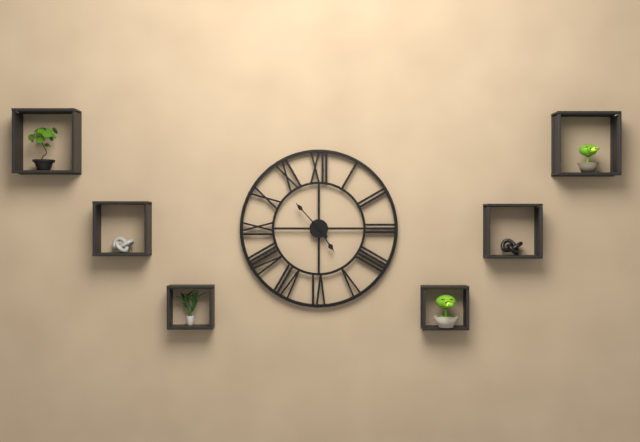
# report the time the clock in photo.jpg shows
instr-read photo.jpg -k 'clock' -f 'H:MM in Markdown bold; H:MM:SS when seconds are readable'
**4:53**
